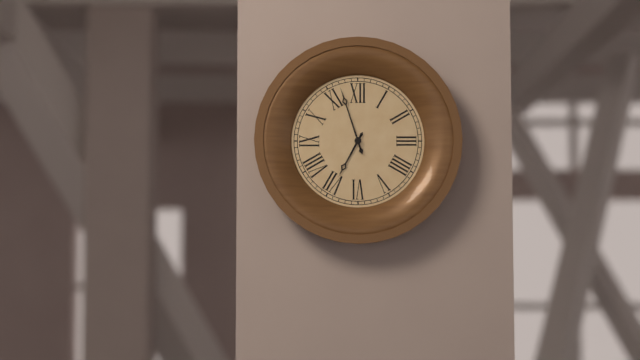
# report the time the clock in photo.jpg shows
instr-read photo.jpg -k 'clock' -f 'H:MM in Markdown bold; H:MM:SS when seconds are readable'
**6:57**
